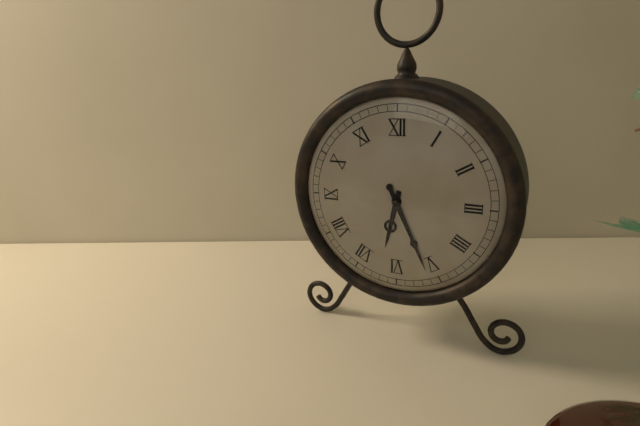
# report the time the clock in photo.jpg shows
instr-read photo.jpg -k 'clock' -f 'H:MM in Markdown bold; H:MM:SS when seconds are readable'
**6:26**
